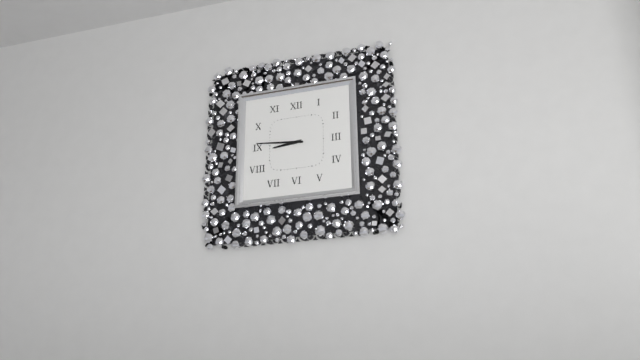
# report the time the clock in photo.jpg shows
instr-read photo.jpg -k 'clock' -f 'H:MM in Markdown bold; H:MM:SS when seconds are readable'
**8:46**
